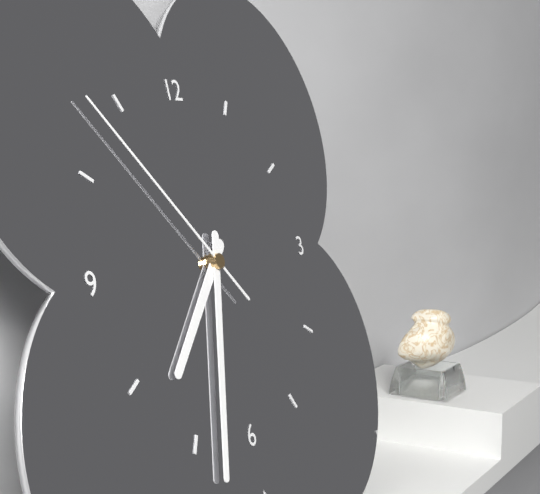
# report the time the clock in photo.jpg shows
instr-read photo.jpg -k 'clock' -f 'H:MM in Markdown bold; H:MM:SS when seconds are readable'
**7:33:53**
